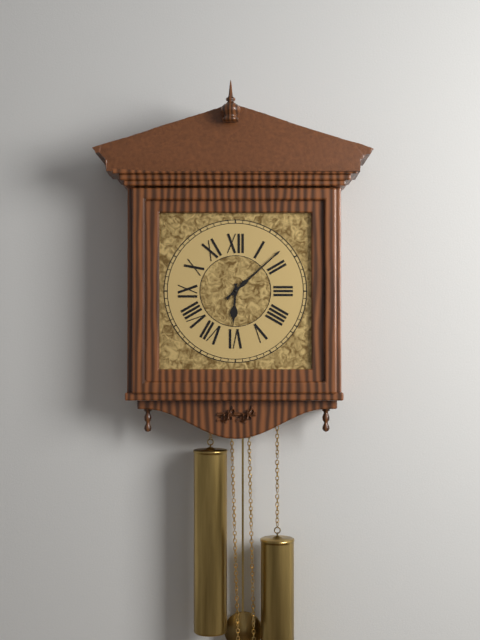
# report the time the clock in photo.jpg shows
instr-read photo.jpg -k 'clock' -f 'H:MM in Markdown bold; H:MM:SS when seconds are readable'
**6:08**
